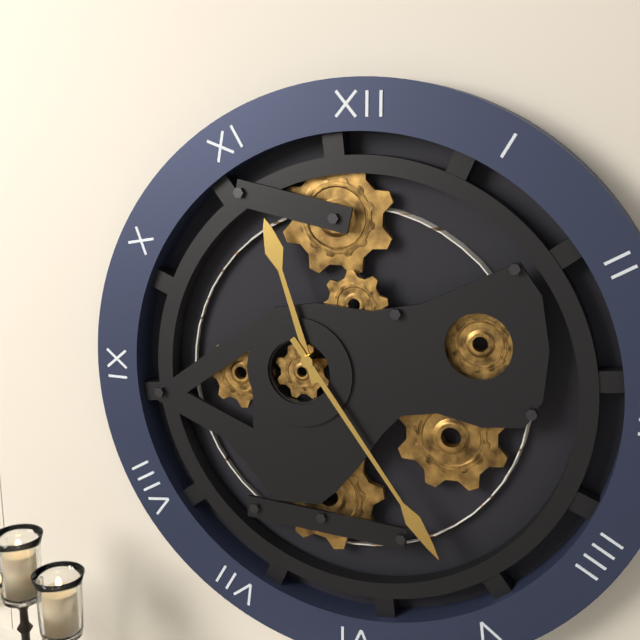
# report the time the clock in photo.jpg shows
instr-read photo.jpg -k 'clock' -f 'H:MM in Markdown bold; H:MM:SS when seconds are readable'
**11:24**
